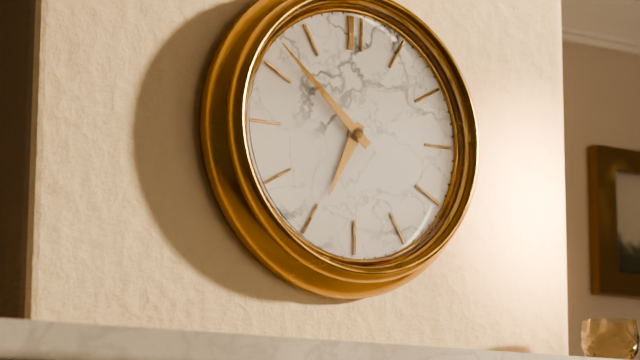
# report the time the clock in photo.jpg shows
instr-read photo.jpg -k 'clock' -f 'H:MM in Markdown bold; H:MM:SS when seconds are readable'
**6:52**
